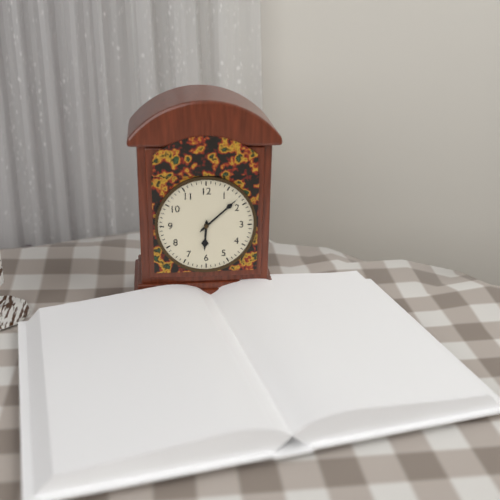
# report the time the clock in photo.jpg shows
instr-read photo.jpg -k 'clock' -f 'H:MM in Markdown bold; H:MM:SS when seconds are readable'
**6:08**
